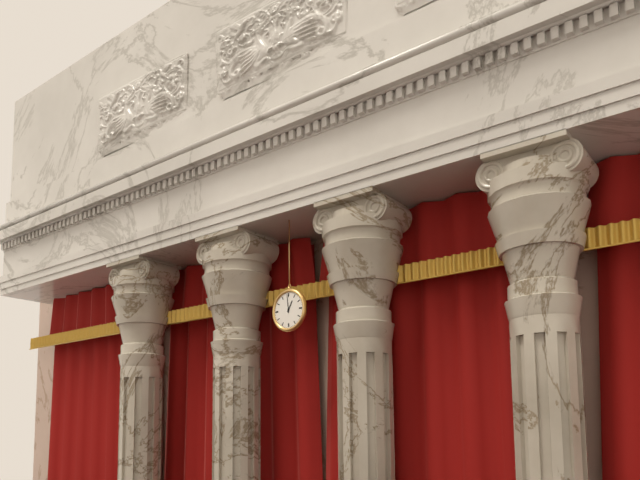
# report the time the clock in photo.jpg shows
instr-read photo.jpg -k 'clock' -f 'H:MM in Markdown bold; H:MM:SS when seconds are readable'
**12:59**
